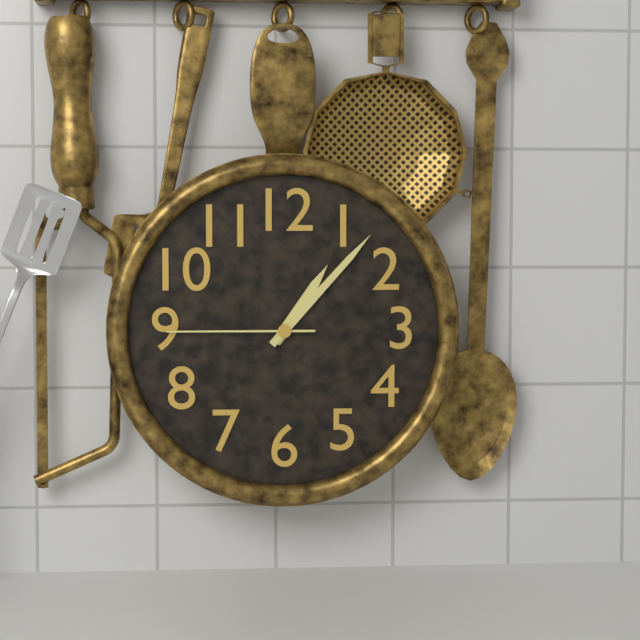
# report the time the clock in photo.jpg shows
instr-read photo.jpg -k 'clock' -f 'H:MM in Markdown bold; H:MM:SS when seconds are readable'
**1:07:45**
